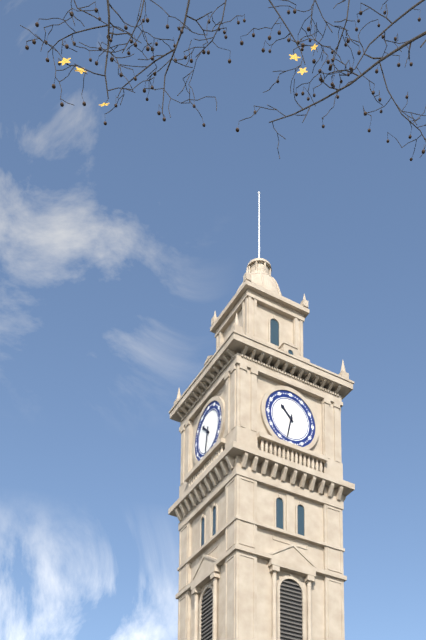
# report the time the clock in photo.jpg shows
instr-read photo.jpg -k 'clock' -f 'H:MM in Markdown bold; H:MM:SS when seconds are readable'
**10:32**
